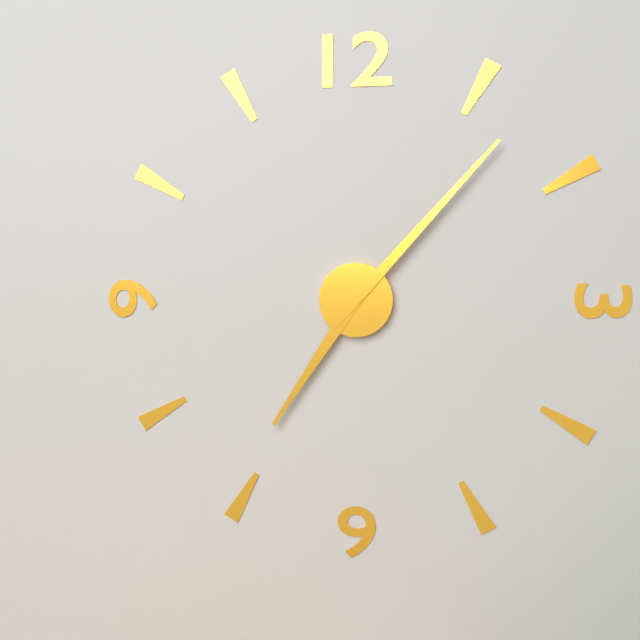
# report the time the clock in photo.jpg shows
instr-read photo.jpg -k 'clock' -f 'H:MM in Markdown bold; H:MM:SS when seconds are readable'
**7:07**
